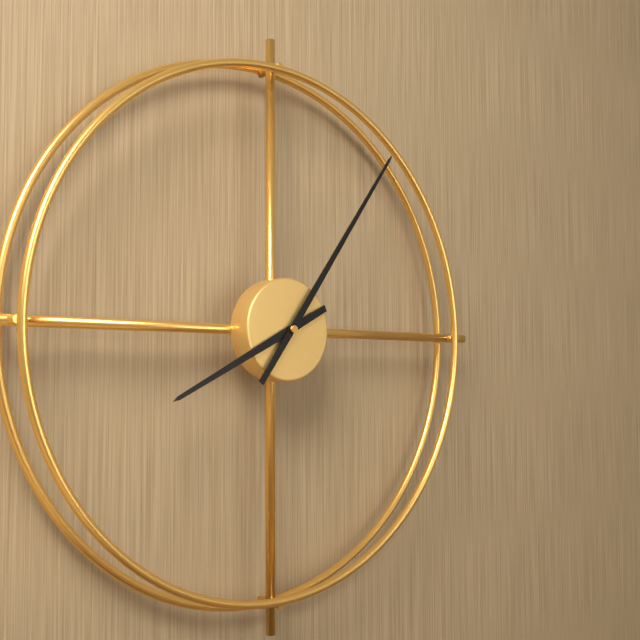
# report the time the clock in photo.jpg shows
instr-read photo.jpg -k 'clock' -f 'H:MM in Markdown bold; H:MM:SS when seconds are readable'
**8:06**
